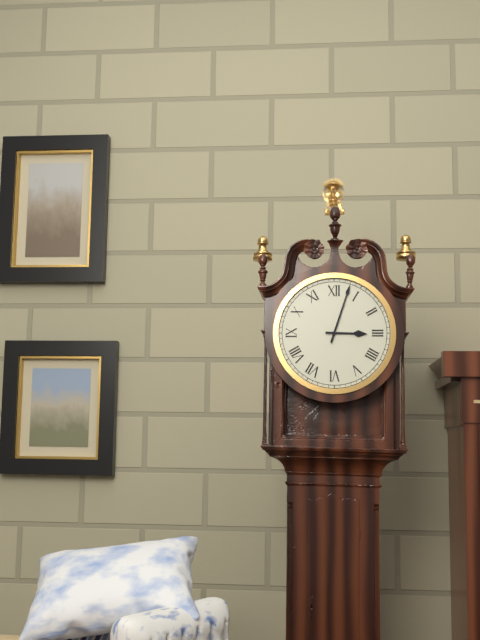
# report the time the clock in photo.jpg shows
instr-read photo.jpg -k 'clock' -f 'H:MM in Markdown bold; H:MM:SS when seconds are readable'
**3:03**
